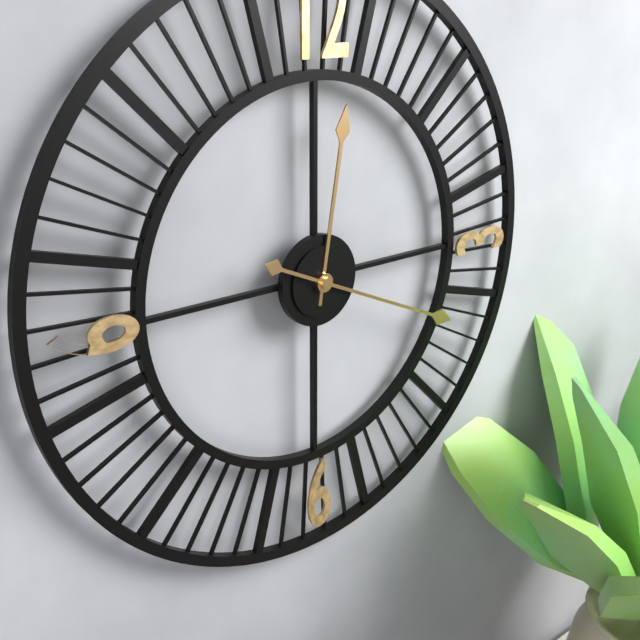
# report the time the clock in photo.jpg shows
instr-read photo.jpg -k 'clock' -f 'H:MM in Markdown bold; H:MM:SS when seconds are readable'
**12:19**
